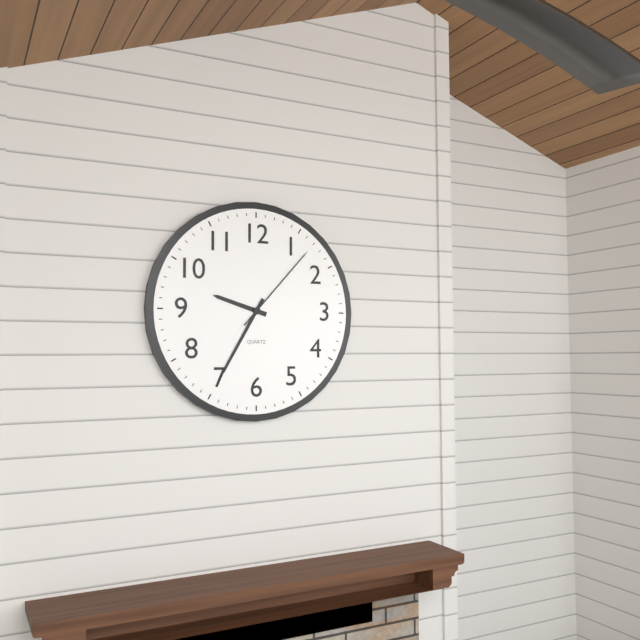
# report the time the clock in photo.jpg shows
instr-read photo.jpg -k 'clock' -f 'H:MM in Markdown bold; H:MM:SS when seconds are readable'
**9:35:07**
